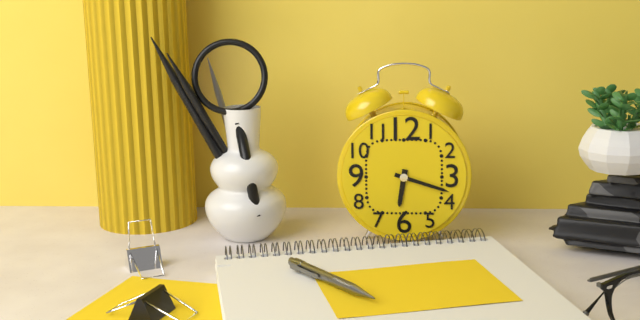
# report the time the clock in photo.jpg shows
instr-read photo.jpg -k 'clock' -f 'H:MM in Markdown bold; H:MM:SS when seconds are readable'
**6:18**
